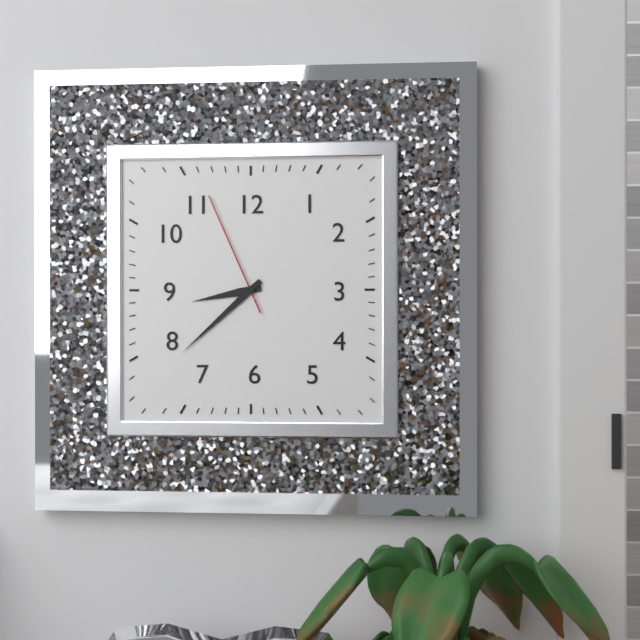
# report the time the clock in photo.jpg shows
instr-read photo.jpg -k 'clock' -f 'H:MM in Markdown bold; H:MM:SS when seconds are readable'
**8:38:56**
